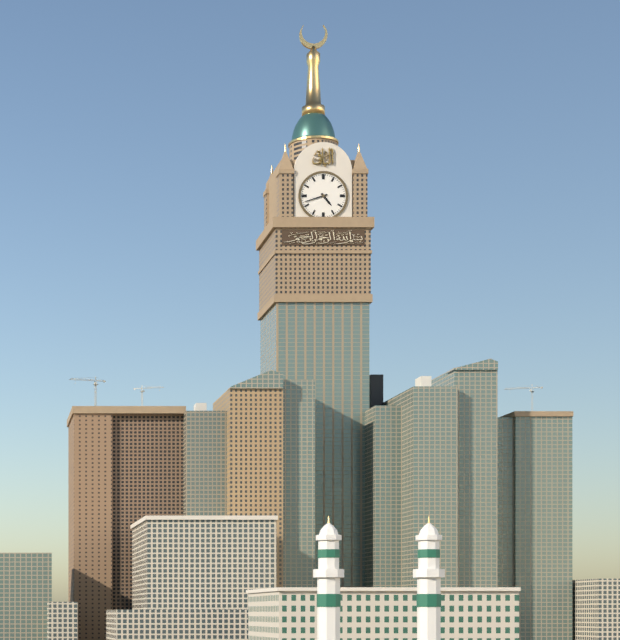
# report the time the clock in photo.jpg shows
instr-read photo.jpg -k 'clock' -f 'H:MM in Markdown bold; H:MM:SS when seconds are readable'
**4:42**
